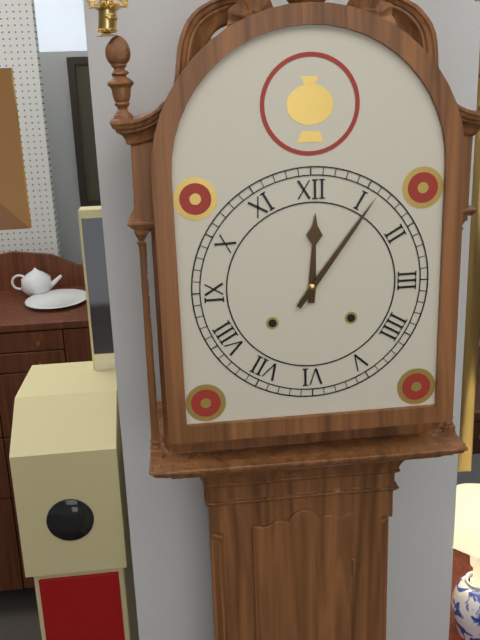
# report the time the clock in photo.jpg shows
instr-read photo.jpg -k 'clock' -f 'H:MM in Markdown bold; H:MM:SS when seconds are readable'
**12:06**
